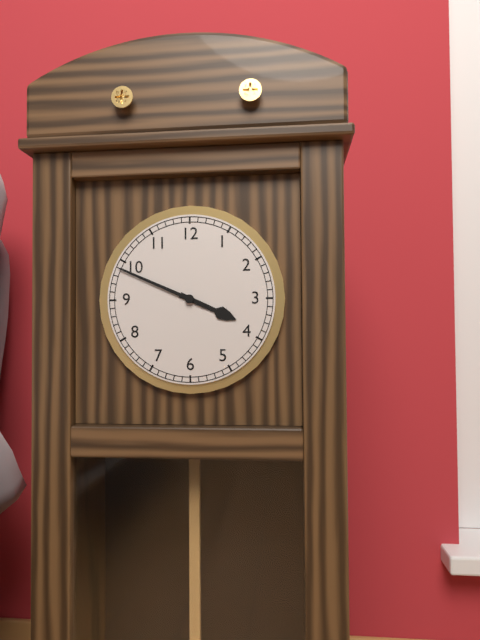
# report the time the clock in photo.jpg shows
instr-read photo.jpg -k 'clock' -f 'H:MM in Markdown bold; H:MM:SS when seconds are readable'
**3:49**
